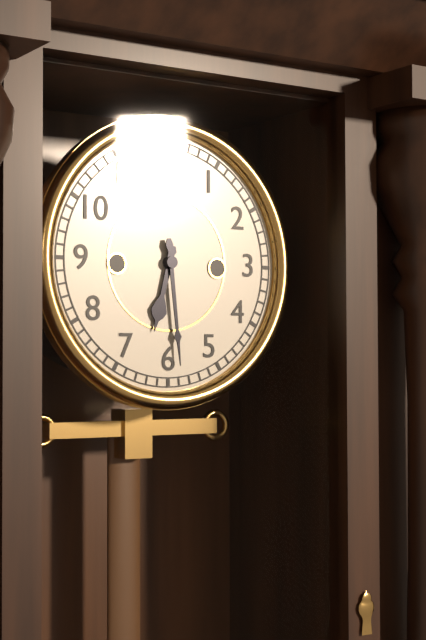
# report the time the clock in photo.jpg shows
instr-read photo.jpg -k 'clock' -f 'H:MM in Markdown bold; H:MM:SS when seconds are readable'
**6:29**
